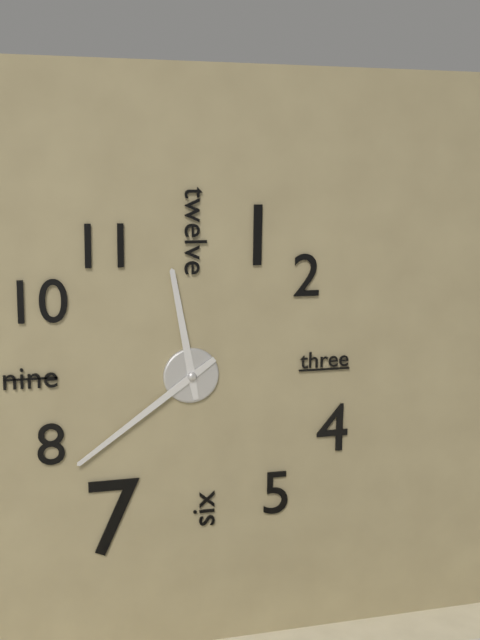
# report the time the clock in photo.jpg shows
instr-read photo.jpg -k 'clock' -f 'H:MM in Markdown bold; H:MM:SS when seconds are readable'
**11:39**
